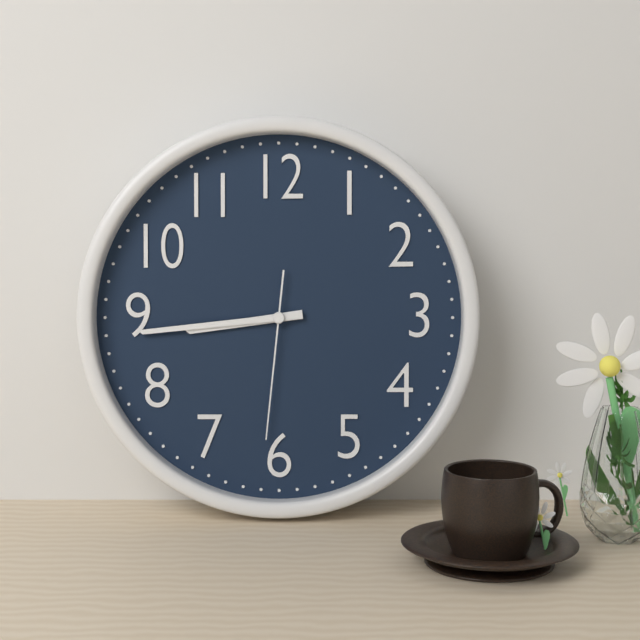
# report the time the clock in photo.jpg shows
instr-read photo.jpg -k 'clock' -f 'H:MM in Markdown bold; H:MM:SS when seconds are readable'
**8:44:31**
